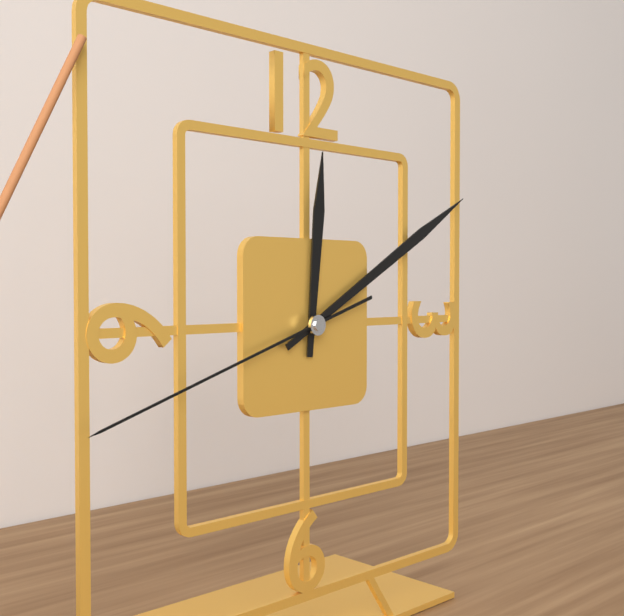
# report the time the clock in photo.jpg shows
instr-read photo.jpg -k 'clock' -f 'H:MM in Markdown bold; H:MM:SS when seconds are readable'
**12:10:42**
